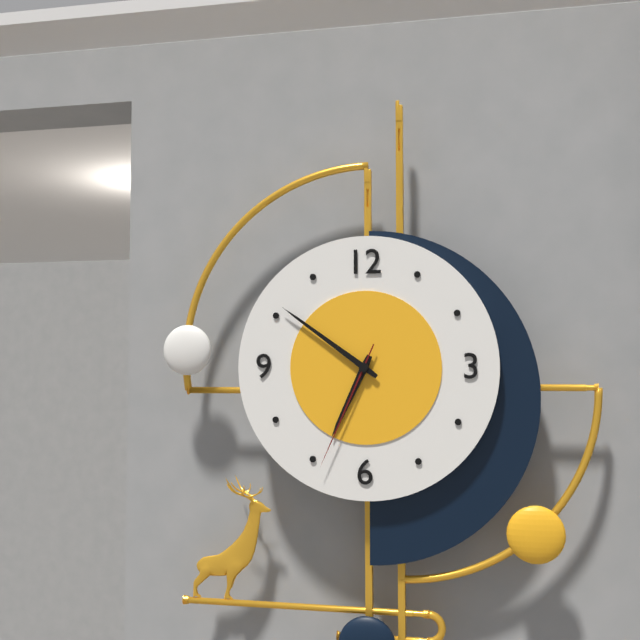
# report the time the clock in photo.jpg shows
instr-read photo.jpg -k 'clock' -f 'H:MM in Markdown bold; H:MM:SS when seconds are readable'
**6:51:34**
